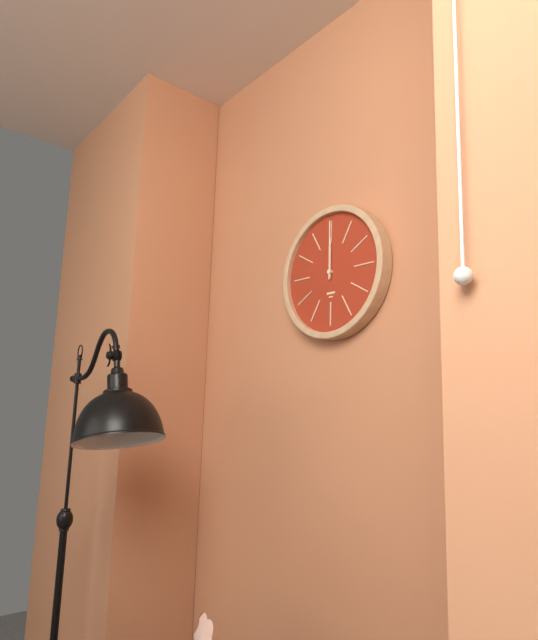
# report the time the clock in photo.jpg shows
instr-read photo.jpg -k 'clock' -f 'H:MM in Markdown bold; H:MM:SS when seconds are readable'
**12:00**
